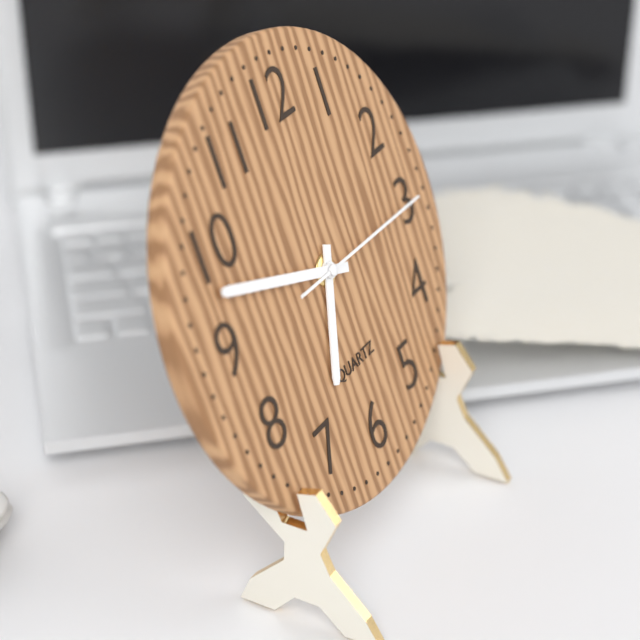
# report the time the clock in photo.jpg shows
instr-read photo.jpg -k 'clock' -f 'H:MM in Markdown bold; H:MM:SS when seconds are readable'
**6:48:15**
